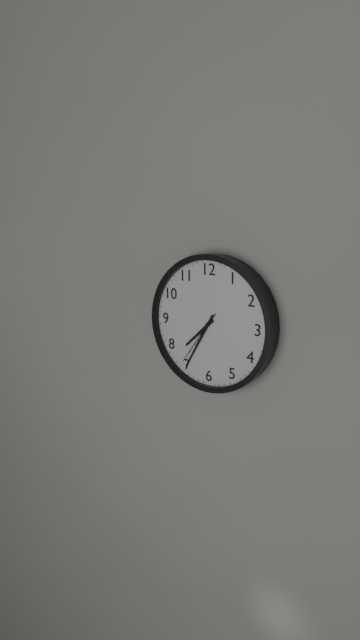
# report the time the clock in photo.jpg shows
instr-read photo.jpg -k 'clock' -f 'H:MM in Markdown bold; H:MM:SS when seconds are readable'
**7:35:36**
